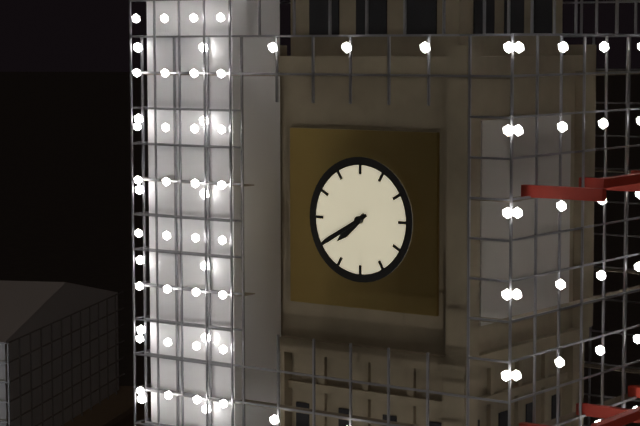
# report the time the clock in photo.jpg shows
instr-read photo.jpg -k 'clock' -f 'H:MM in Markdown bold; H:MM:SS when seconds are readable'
**7:40**
